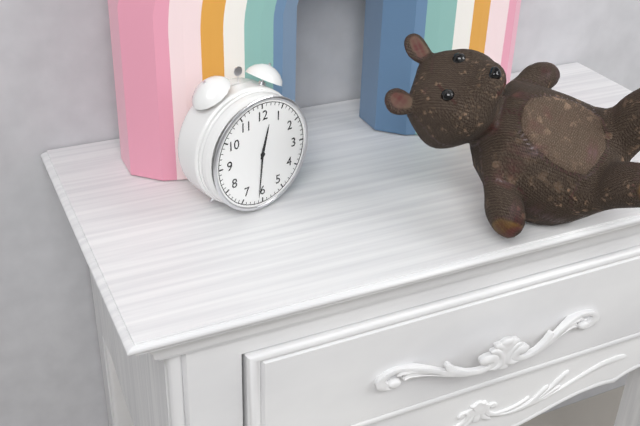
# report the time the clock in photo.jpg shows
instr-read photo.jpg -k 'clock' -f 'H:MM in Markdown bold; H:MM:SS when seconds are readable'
**12:31**
